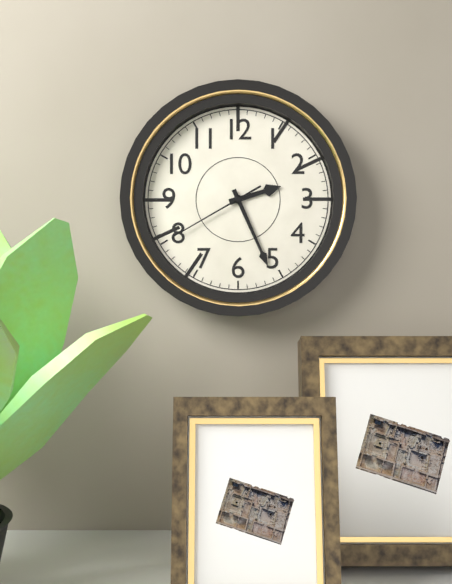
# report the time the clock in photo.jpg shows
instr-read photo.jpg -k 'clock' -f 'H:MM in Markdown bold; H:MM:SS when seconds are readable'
**2:26:40**
